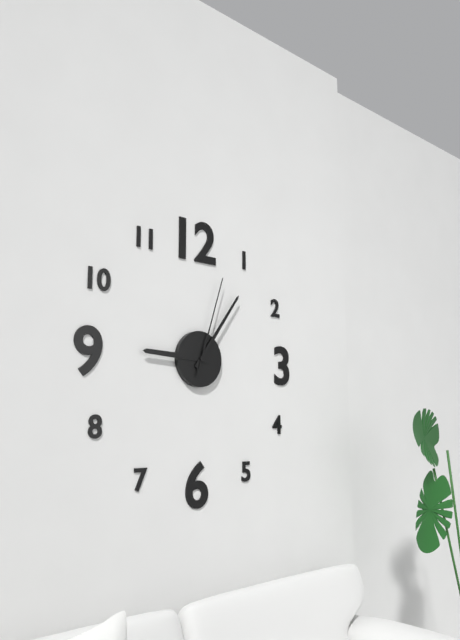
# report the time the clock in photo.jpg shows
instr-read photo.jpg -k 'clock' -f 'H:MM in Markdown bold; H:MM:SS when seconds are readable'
**9:06:03**
